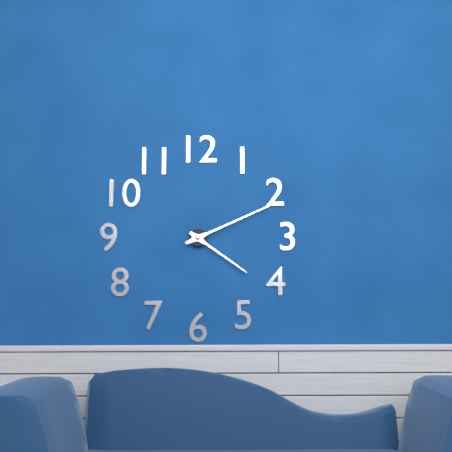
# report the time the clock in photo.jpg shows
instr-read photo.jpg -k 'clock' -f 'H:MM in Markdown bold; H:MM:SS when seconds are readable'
**4:11**
